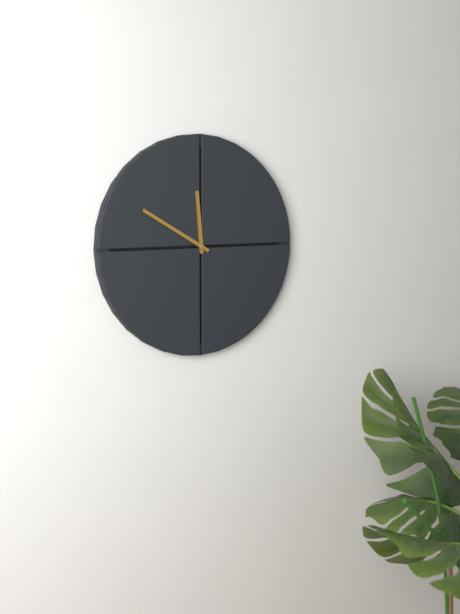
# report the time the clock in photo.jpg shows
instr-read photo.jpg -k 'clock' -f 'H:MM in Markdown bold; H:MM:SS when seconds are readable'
**11:50**
